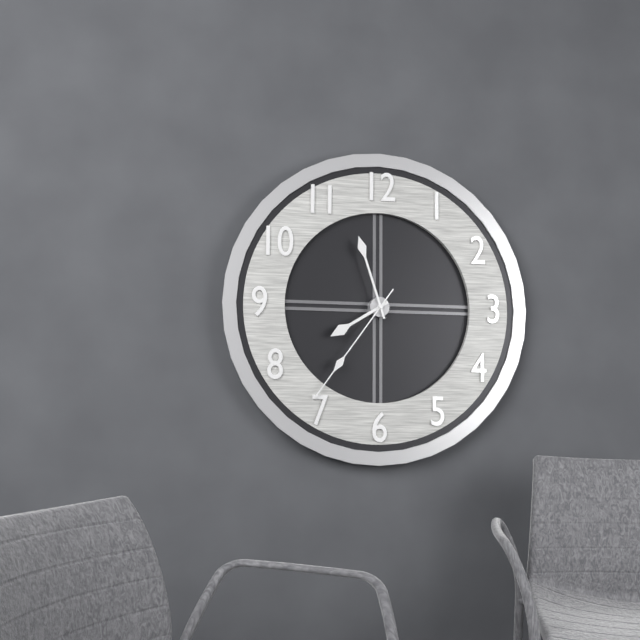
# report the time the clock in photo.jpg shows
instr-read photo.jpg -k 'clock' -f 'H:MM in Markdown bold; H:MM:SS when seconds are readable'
**7:57:36**
